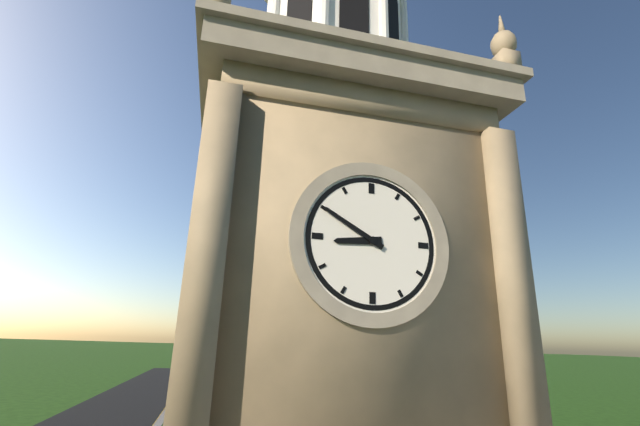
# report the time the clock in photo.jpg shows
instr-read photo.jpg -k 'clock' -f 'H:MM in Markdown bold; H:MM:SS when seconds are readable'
**8:50**
